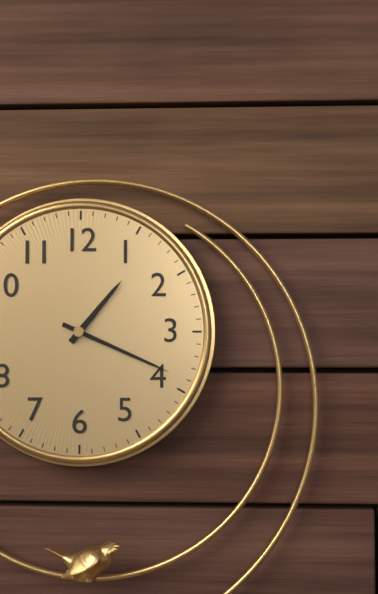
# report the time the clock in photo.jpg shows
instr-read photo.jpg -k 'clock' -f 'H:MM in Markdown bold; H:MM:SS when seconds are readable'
**1:19**
